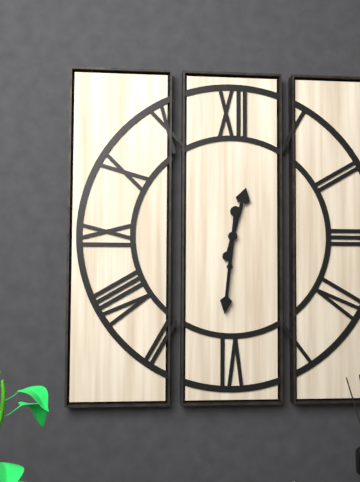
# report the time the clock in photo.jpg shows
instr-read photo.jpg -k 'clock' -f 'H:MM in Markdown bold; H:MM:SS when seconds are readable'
**12:31**
